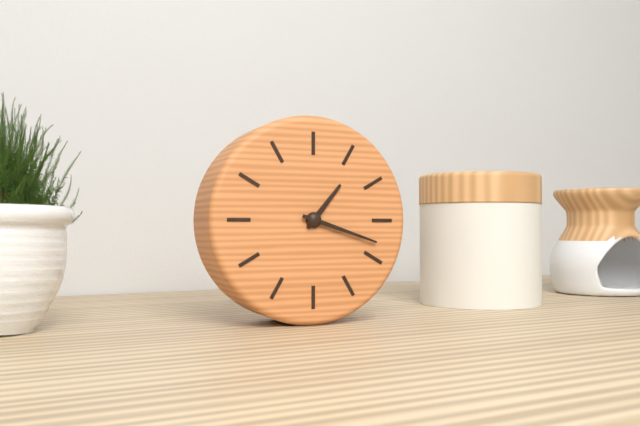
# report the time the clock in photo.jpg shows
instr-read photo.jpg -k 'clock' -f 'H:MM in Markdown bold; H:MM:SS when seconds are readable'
**1:18**
